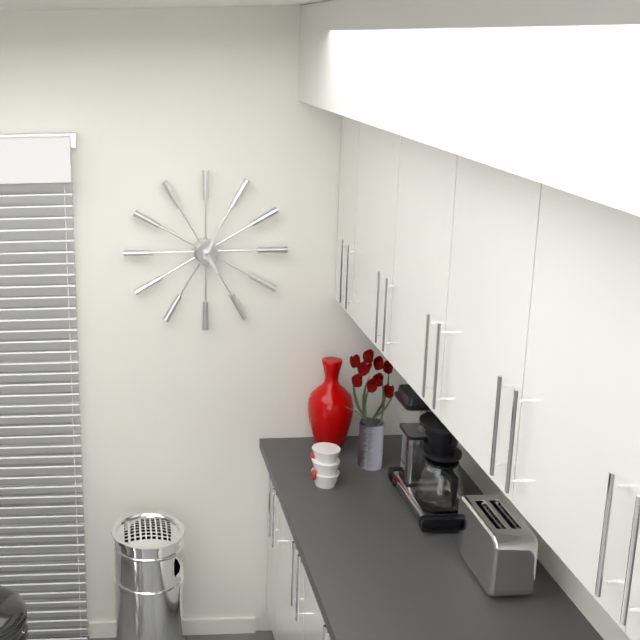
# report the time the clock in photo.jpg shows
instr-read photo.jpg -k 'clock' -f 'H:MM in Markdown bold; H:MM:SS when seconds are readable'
**5:04**
